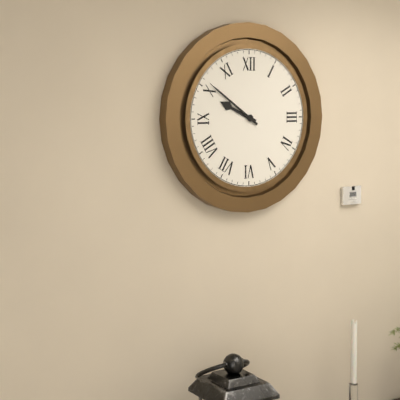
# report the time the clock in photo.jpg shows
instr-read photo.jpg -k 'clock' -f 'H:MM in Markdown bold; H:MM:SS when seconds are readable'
**9:51**
